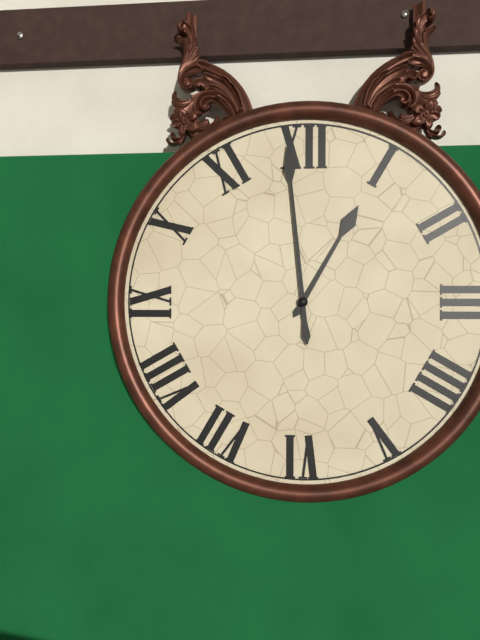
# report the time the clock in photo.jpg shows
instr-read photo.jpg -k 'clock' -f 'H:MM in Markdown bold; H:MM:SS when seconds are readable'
**12:59**
